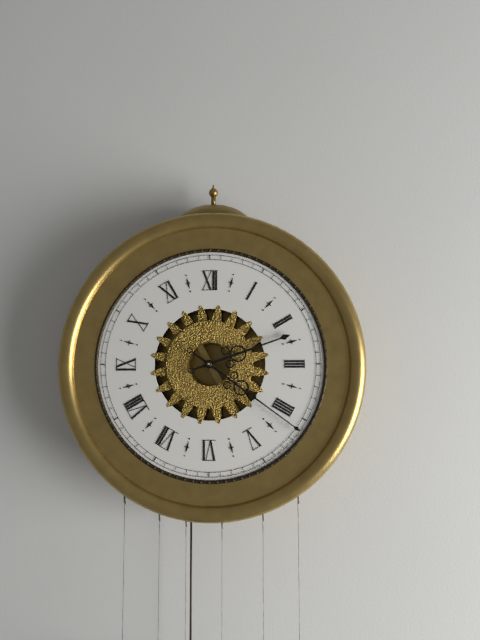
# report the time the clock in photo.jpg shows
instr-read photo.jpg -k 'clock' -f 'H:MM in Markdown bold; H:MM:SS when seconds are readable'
**2:21**
